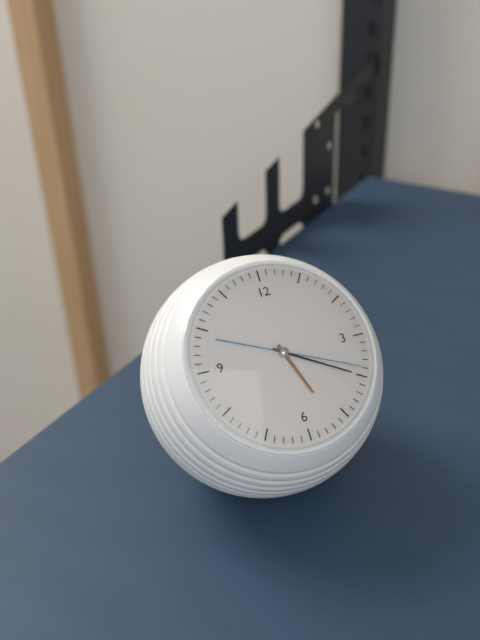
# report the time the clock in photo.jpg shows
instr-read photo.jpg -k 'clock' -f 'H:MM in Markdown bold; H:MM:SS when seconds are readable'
**5:20:19**
